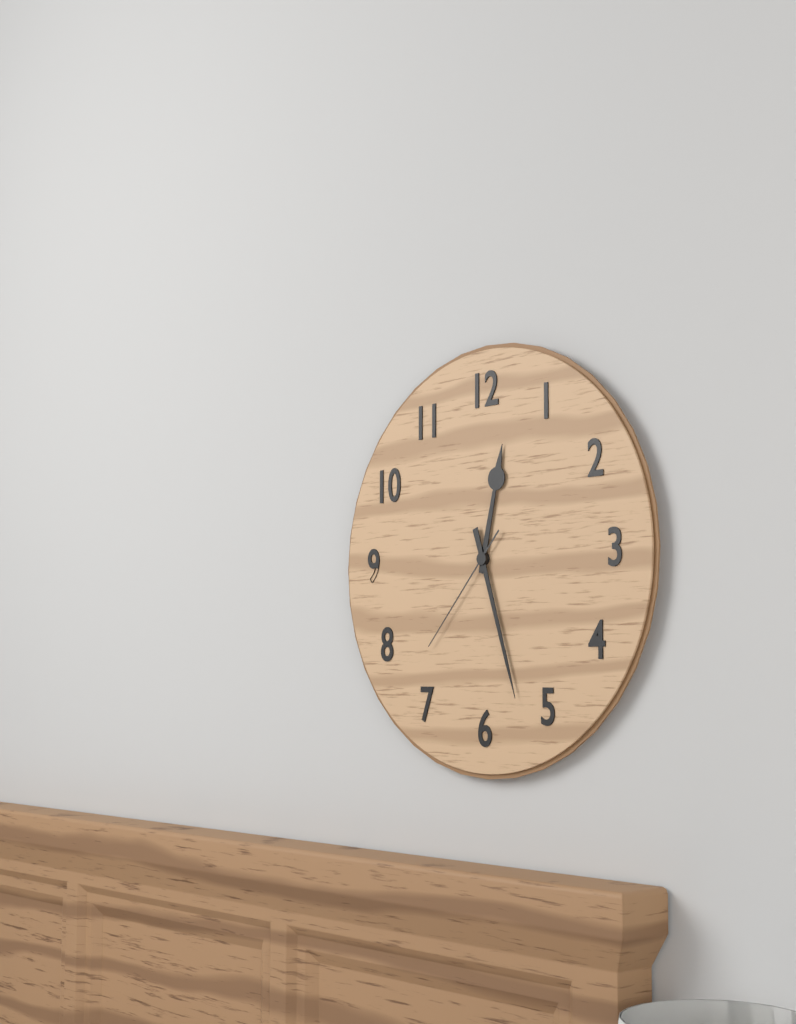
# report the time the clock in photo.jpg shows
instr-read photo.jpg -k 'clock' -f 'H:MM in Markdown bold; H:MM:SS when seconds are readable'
**12:27:37**
